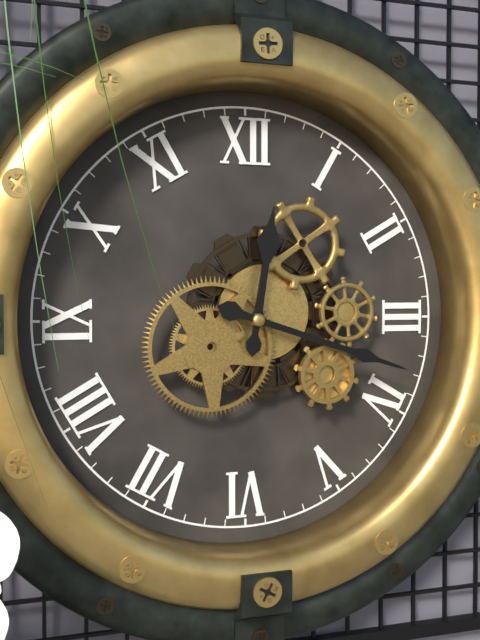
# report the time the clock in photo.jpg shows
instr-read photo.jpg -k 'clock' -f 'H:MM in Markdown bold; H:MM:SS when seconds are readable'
**12:18**
